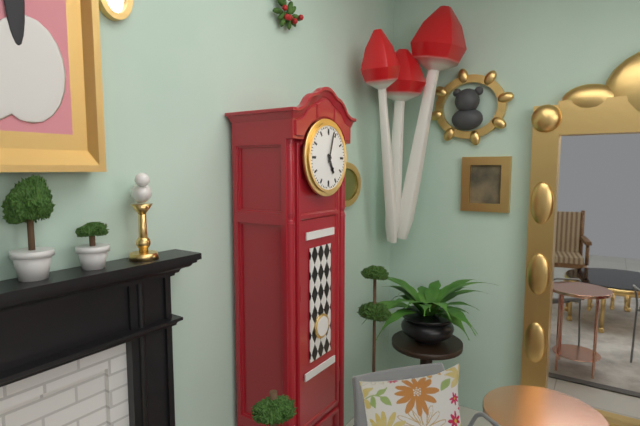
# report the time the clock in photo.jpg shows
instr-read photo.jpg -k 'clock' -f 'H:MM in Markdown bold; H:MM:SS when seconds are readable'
**5:03**
